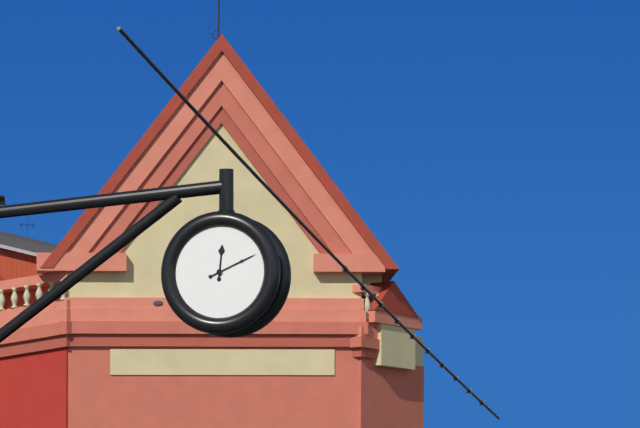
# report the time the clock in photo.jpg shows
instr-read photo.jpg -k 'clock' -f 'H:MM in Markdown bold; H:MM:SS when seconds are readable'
**12:11**
